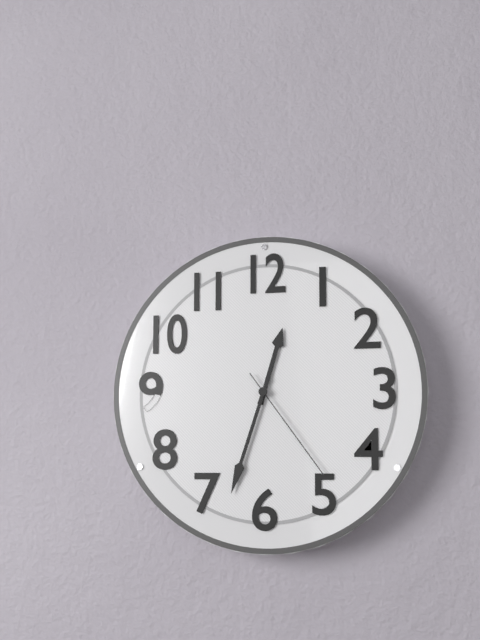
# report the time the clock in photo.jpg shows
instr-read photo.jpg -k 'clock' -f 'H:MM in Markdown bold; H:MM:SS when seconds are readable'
**12:33:24**
